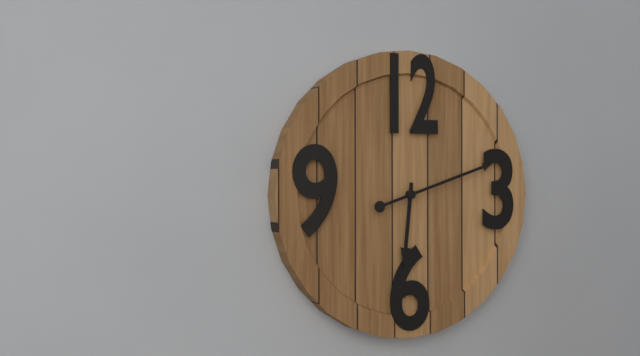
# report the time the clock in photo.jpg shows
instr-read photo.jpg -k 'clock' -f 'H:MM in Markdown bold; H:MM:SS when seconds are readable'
**6:12**
